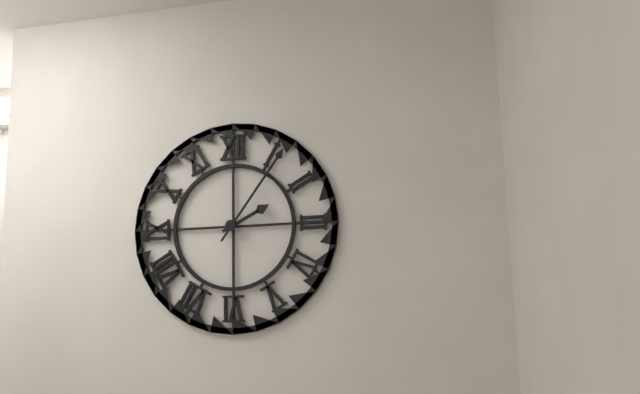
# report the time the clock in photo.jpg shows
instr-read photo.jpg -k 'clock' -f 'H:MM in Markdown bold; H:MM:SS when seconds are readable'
**2:06**
